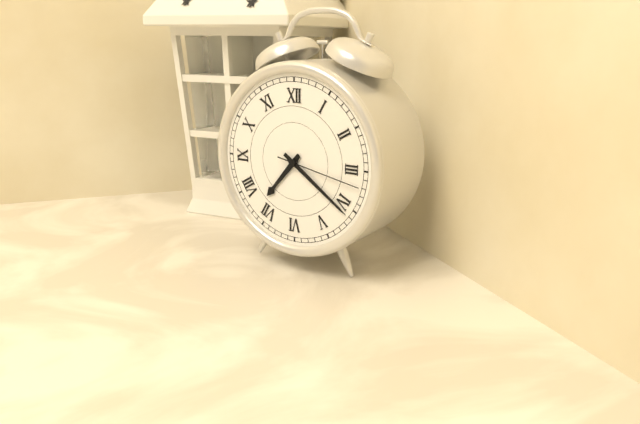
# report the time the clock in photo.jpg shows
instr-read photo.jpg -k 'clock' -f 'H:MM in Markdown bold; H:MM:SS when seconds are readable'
**7:21:17**
